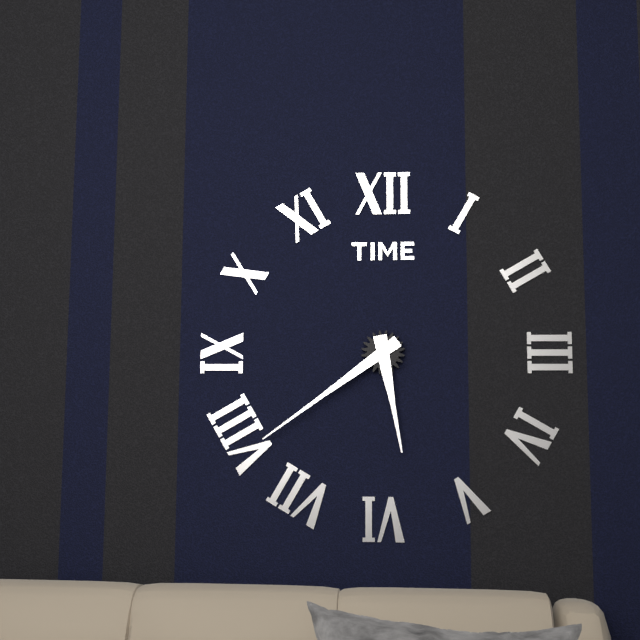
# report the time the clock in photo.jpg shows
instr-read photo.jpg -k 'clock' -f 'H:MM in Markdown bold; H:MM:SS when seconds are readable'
**5:39**
